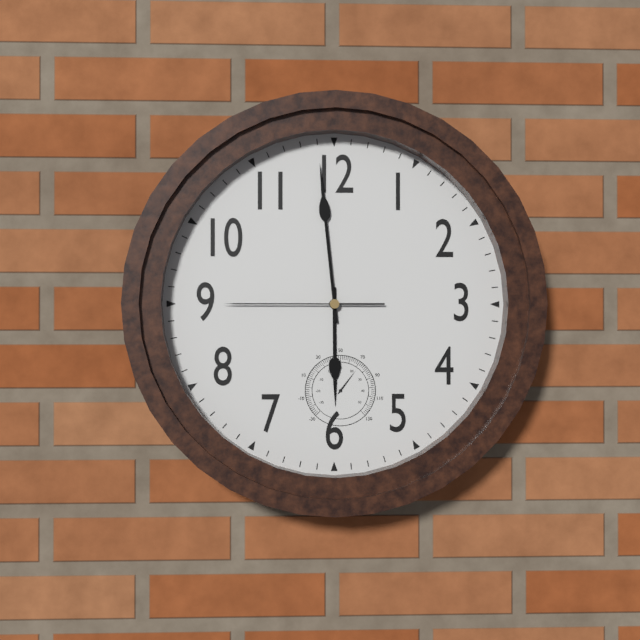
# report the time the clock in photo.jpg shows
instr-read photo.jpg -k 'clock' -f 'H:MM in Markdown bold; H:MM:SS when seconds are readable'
**5:59:45**
